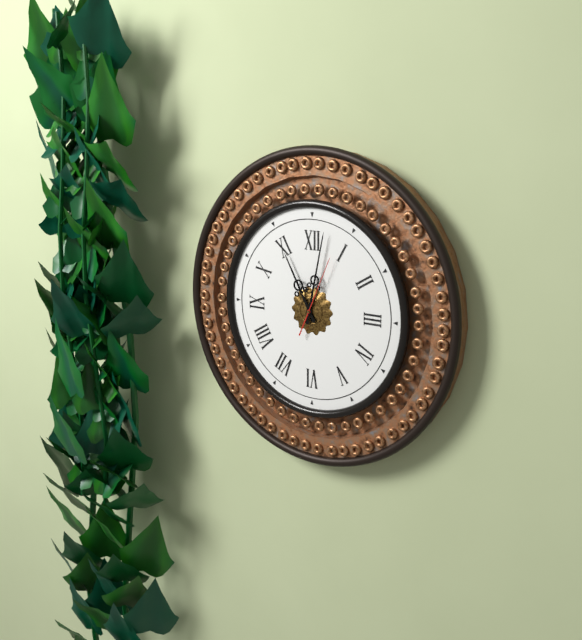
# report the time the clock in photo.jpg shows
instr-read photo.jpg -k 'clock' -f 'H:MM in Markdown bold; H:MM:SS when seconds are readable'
**11:02:04**
